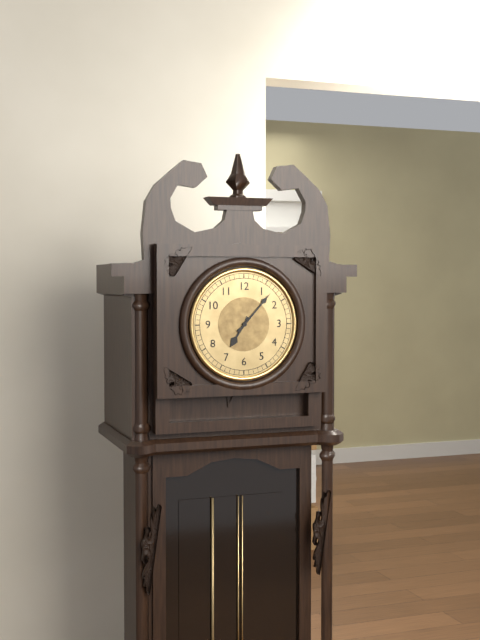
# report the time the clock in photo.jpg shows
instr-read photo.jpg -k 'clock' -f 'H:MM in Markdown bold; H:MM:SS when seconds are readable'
**7:07**
